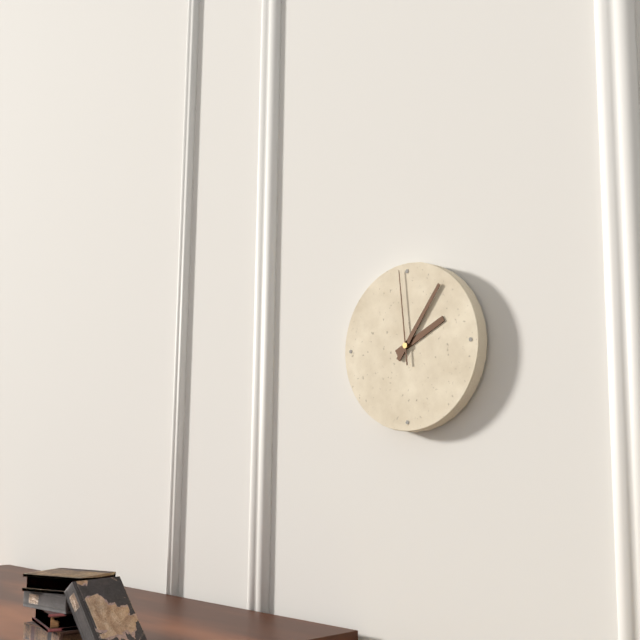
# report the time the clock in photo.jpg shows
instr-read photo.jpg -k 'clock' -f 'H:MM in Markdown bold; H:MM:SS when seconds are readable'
**2:06:59**
